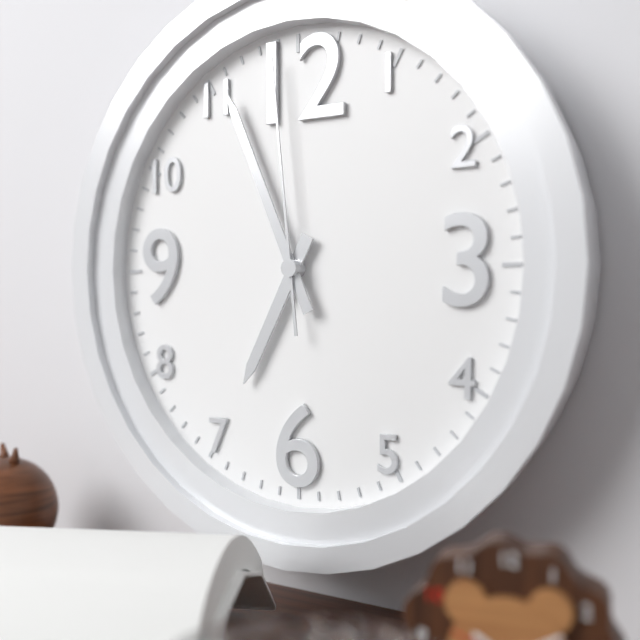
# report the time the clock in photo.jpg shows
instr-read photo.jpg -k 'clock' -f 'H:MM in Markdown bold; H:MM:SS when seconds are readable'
**6:56:59**
